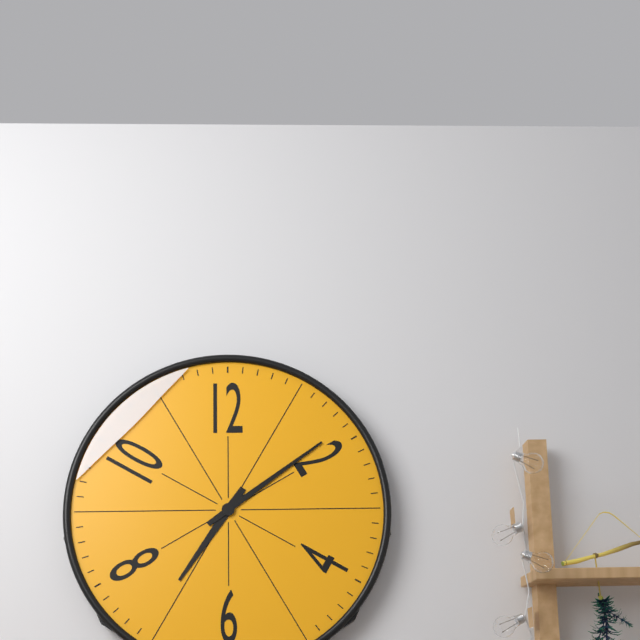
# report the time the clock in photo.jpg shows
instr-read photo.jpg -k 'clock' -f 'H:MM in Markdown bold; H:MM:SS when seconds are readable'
**7:09**
